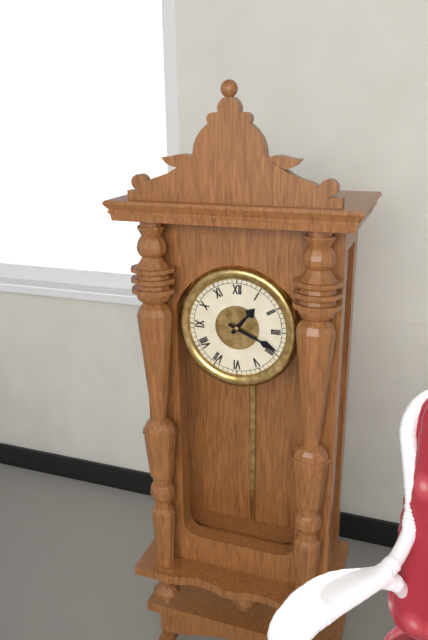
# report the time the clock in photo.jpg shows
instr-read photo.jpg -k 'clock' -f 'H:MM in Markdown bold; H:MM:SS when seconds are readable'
**1:19**
